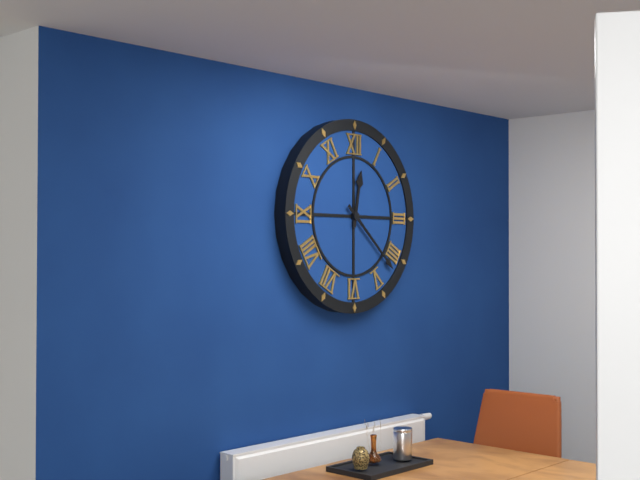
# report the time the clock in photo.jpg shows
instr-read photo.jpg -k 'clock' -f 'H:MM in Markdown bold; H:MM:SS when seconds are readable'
**12:22**
